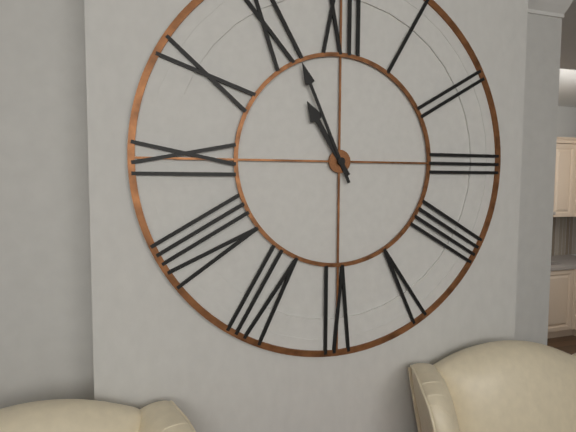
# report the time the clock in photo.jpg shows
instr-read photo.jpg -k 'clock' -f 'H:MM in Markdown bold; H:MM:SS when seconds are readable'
**10:56**
